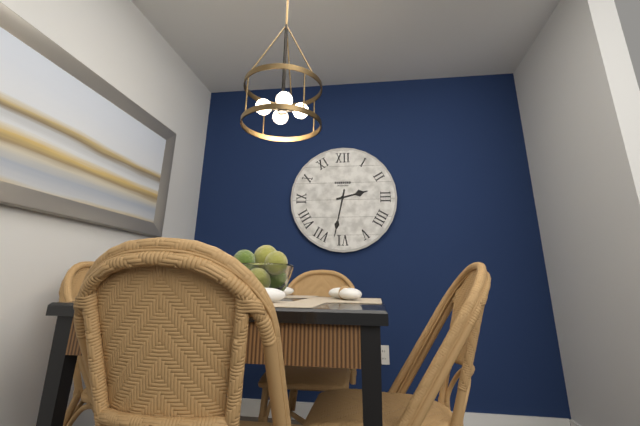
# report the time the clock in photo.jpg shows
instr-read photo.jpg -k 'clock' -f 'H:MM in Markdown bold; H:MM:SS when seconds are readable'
**2:32**
